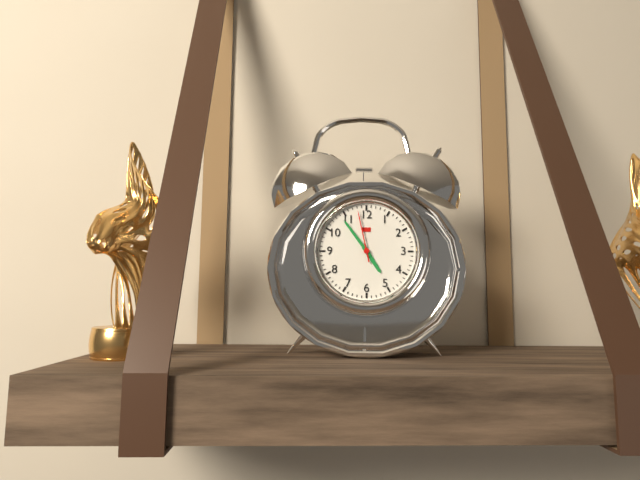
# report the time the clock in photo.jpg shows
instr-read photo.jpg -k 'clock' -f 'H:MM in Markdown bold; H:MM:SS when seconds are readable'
**4:54:58**
